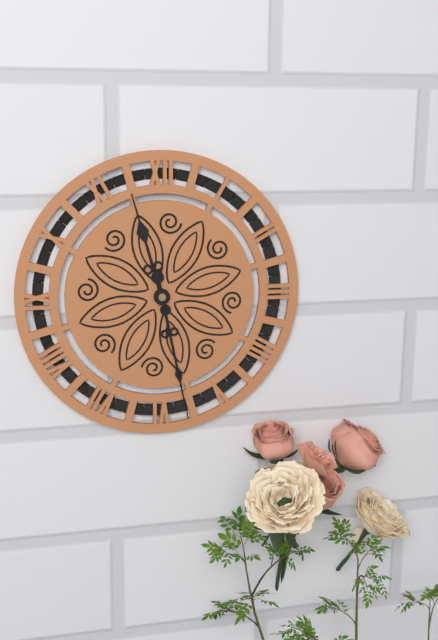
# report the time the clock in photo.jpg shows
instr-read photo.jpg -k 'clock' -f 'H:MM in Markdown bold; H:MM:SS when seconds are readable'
**11:28**
